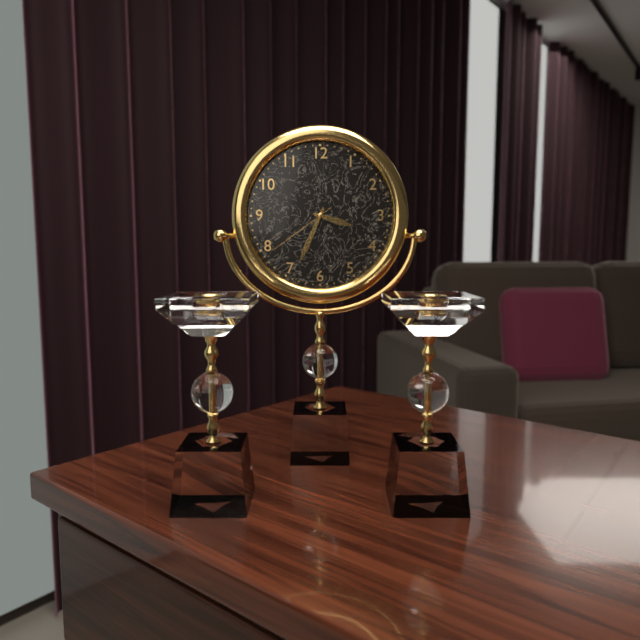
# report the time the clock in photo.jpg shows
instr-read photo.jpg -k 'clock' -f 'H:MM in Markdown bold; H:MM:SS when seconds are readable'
**3:34:39**
